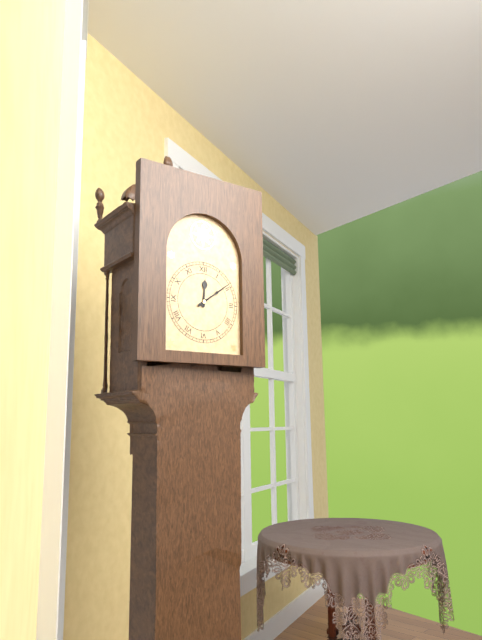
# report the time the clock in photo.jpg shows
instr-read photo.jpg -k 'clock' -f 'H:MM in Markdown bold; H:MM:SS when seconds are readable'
**12:09**
